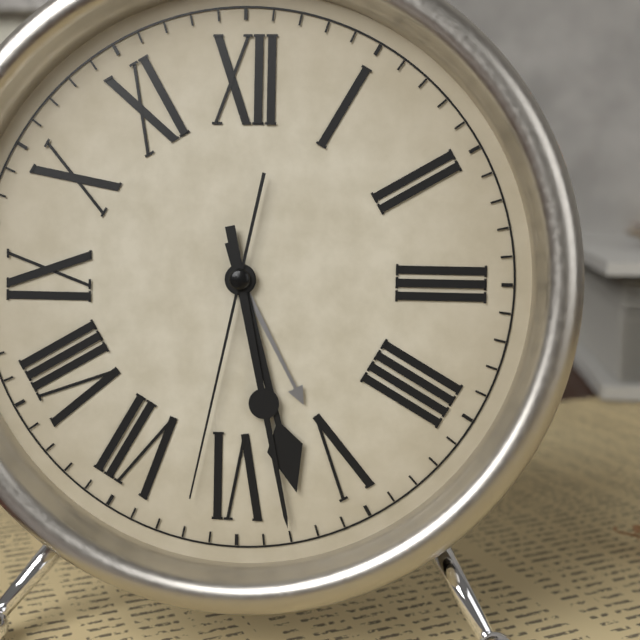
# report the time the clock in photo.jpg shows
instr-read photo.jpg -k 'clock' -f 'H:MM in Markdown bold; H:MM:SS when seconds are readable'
**5:28:32**
